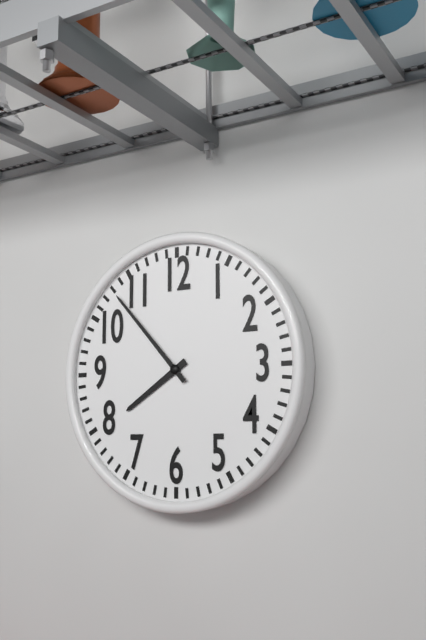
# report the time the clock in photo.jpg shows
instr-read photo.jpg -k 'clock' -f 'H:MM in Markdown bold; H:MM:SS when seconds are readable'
**7:53**
